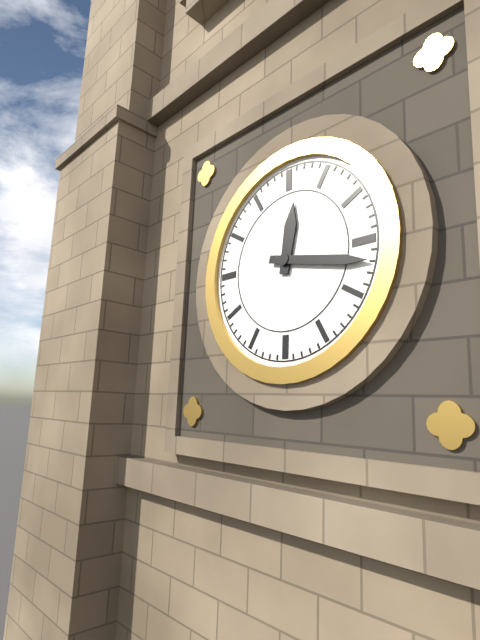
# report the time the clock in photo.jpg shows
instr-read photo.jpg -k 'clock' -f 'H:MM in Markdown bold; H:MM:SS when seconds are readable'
**12:17**
